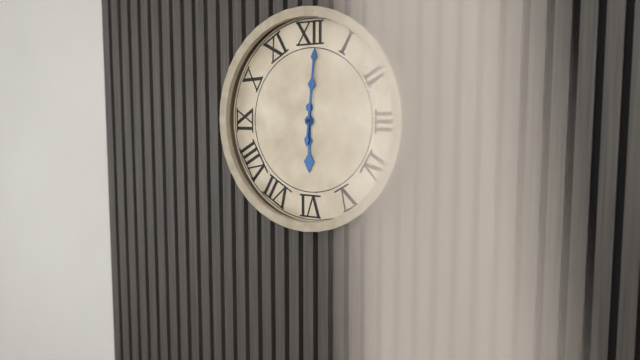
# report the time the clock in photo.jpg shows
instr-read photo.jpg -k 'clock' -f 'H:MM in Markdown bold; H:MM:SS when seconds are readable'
**6:01**
